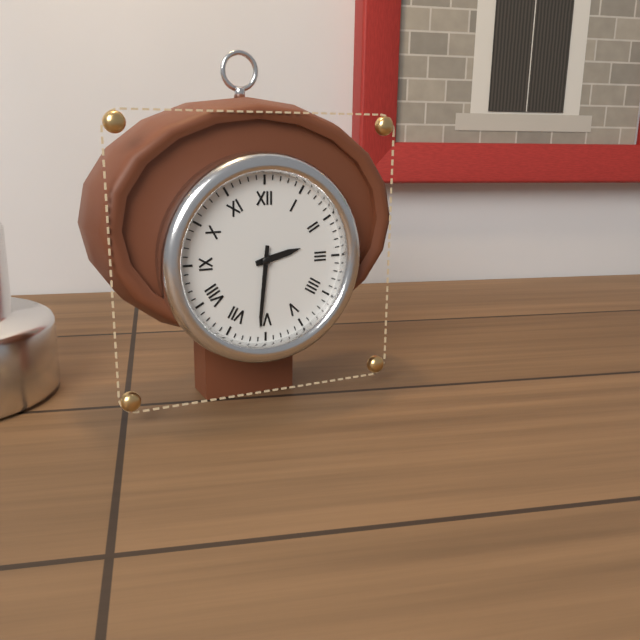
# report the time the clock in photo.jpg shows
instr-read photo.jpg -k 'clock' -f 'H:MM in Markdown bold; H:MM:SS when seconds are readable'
**2:31**
